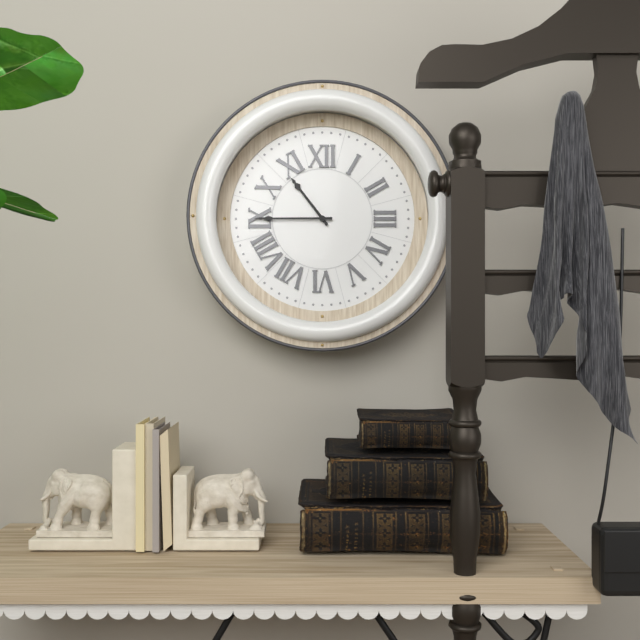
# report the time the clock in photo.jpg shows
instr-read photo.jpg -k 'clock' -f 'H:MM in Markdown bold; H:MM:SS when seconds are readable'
**10:45**
